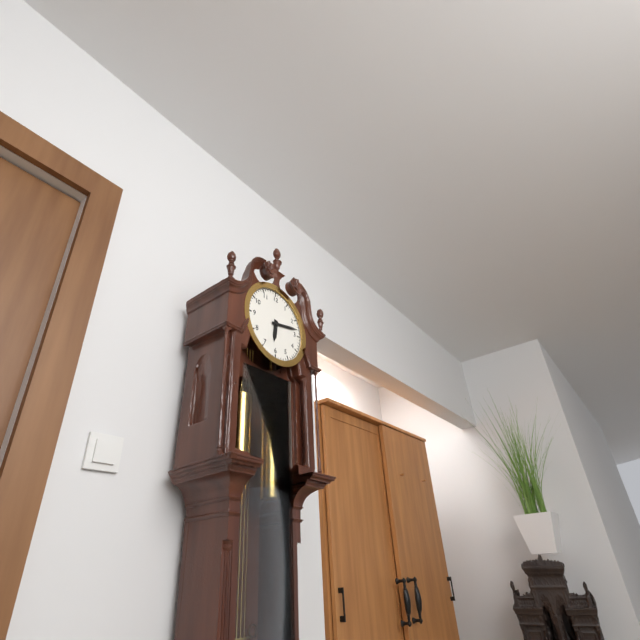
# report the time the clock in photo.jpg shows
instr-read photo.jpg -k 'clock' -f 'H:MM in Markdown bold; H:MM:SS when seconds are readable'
**6:13**
